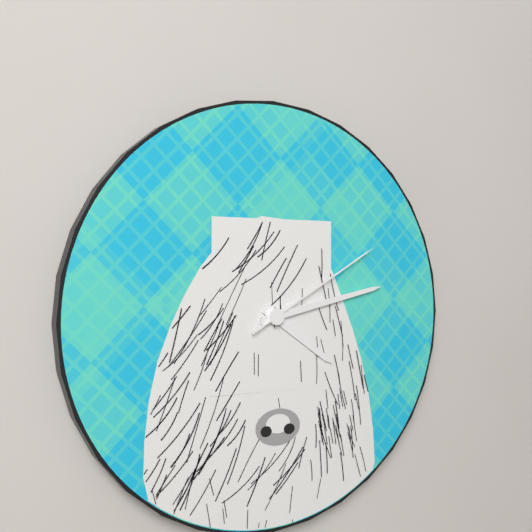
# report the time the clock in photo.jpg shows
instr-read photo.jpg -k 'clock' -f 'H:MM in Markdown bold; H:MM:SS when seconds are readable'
**4:13:10**
